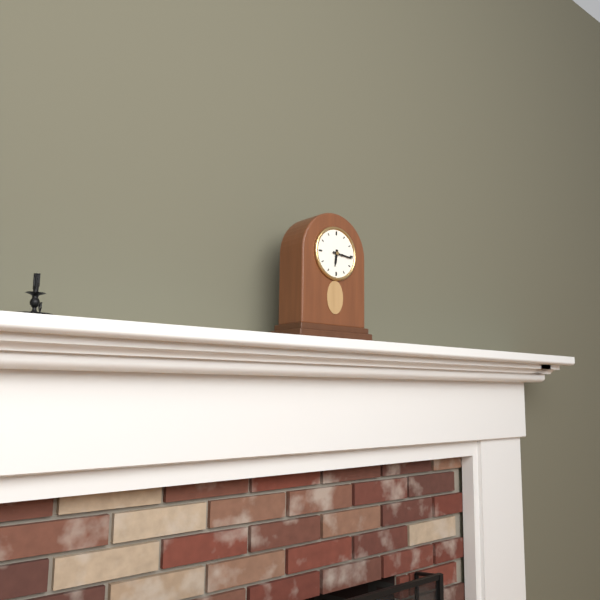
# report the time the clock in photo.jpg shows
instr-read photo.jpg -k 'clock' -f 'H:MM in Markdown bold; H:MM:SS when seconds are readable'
**6:16**
